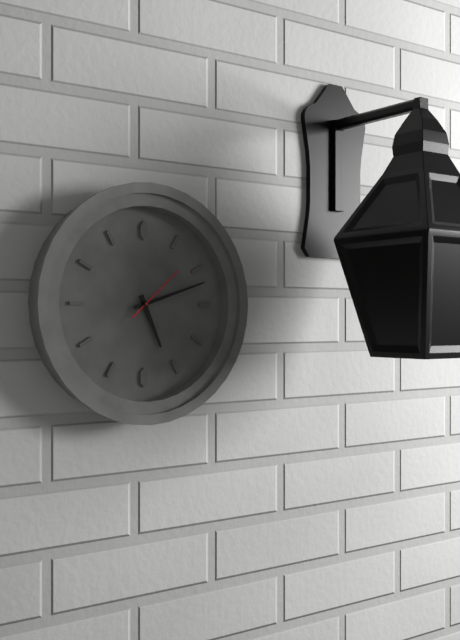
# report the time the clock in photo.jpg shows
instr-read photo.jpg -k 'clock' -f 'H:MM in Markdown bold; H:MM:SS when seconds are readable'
**5:12:08**
